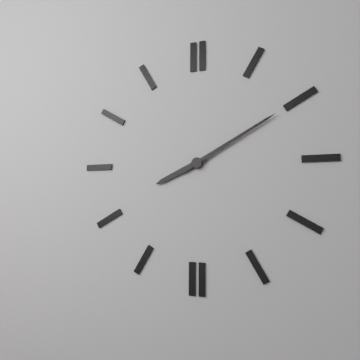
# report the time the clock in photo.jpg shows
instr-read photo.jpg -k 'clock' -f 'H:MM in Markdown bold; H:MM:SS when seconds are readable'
**8:10**
